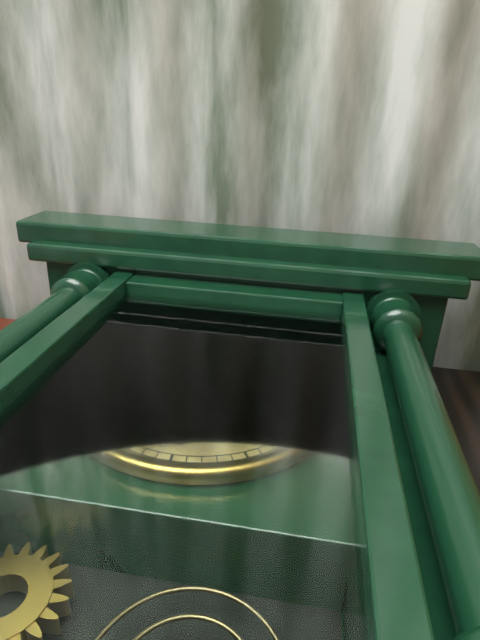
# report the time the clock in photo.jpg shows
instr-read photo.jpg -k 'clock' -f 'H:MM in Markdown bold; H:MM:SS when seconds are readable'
**6:31**
